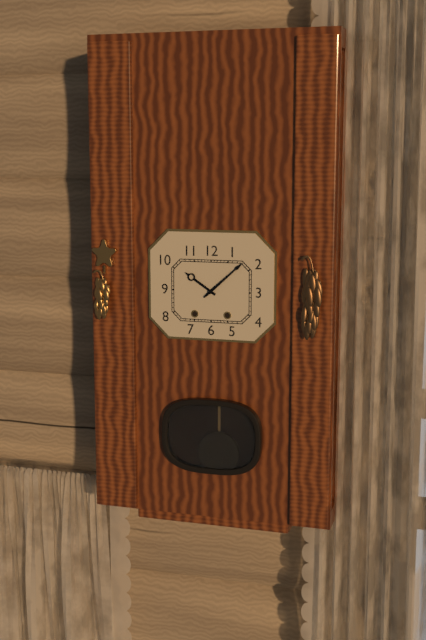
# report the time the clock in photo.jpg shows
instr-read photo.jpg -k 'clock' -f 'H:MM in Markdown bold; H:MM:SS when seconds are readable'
**10:08**
